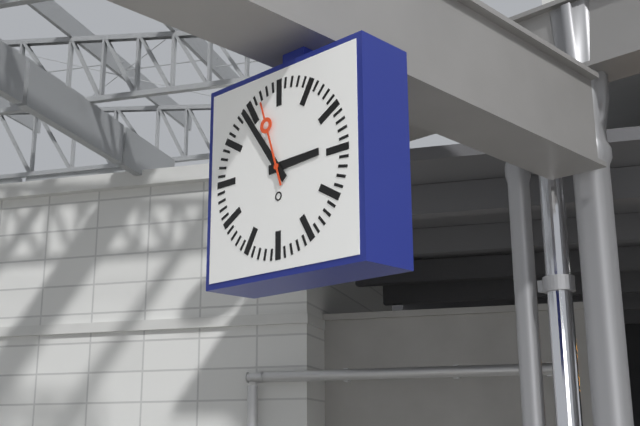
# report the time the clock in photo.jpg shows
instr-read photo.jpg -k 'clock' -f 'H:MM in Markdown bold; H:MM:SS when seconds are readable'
**2:54:57**
